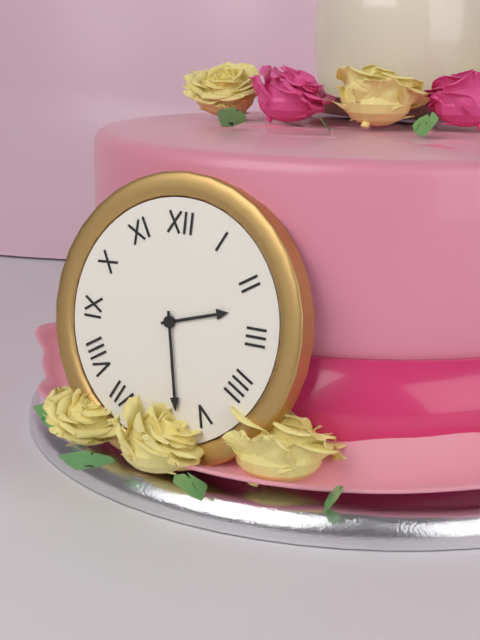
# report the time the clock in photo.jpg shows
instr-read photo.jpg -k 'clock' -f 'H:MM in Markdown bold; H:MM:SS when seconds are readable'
**2:28**
